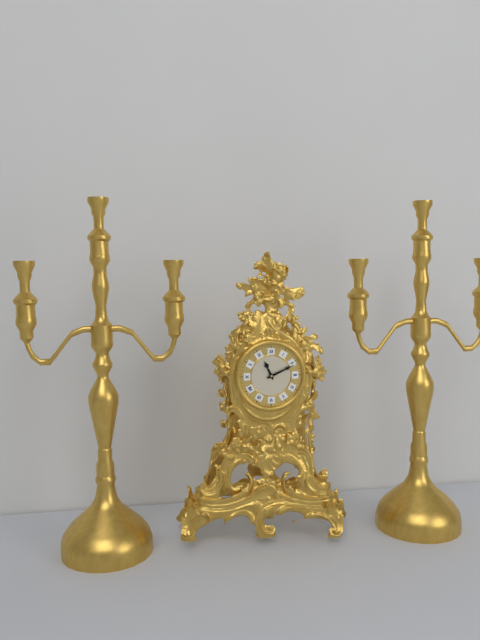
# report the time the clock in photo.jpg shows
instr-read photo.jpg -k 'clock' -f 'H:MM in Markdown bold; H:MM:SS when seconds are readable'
**11:11**
